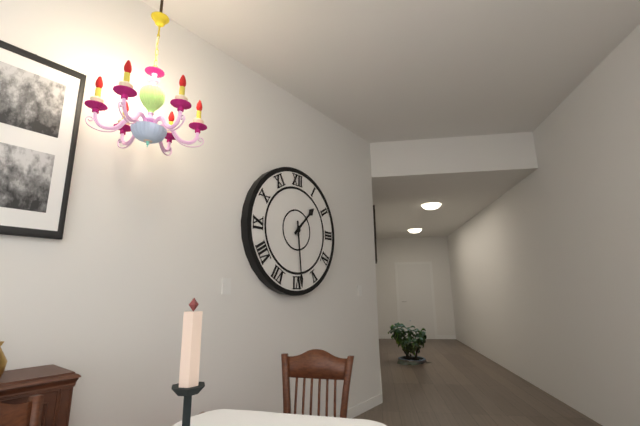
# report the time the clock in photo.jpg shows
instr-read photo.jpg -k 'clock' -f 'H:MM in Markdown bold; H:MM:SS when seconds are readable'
**1:29**
